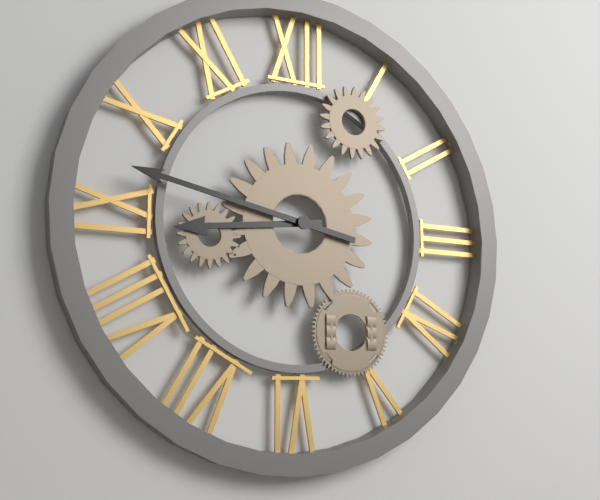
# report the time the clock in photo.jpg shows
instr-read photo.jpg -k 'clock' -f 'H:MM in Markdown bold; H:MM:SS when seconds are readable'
**8:47**
